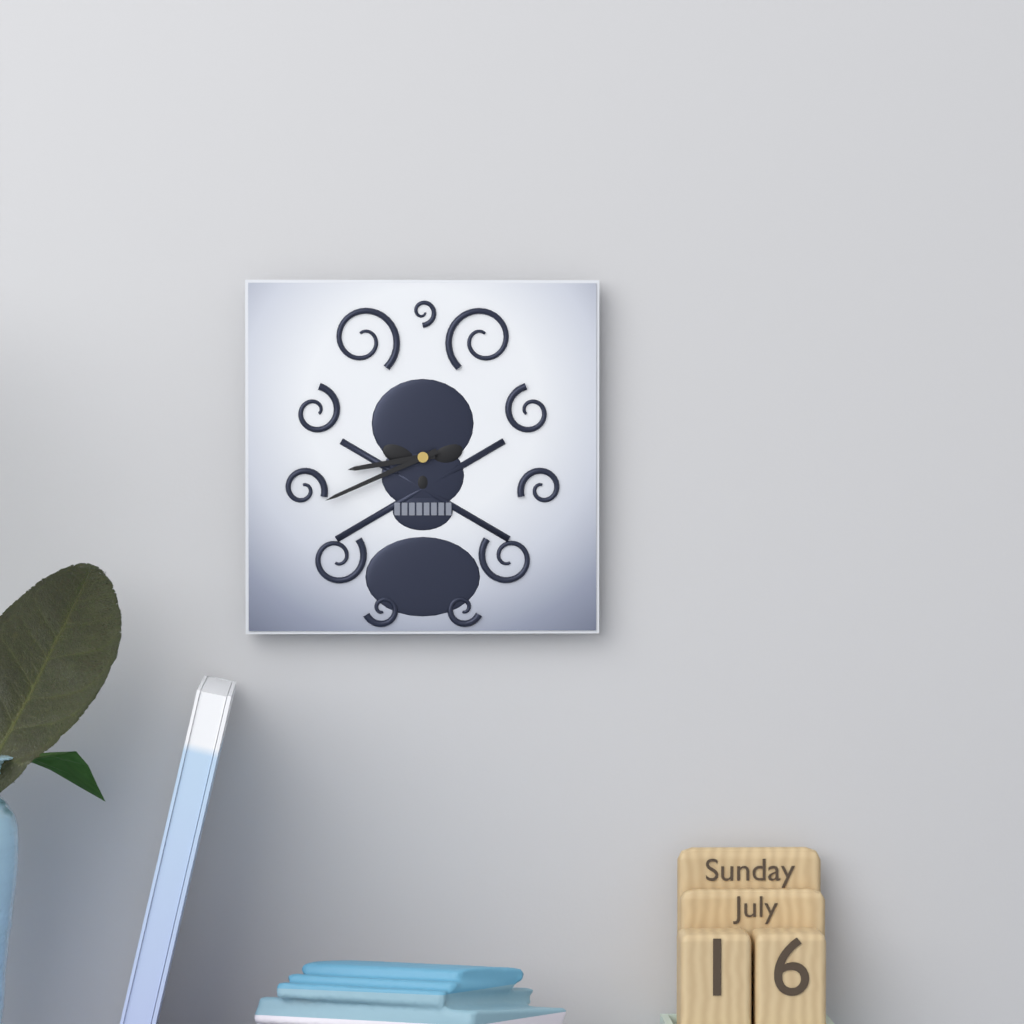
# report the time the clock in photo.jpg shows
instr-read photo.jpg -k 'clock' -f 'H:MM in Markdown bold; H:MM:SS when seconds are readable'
**8:41**
